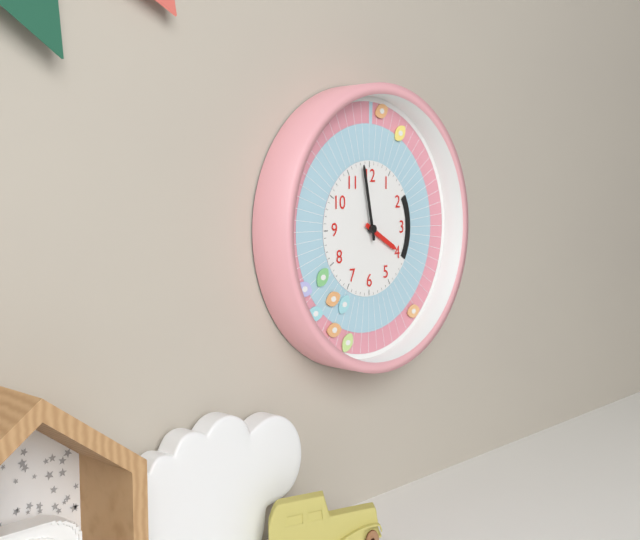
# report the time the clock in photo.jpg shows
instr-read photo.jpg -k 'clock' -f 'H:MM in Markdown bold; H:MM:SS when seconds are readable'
**3:58**
